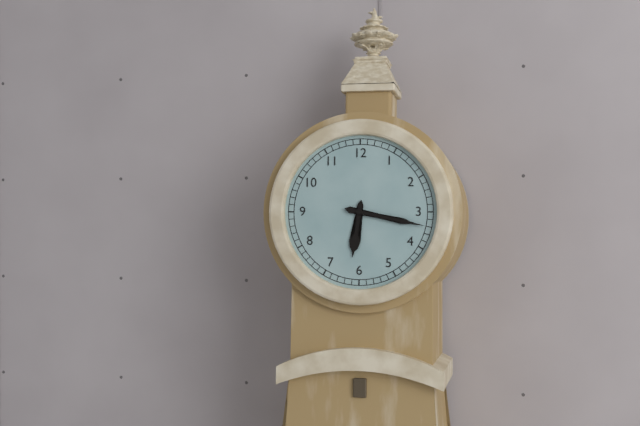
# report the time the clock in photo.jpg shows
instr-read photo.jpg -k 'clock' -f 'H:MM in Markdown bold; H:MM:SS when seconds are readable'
**6:17**
